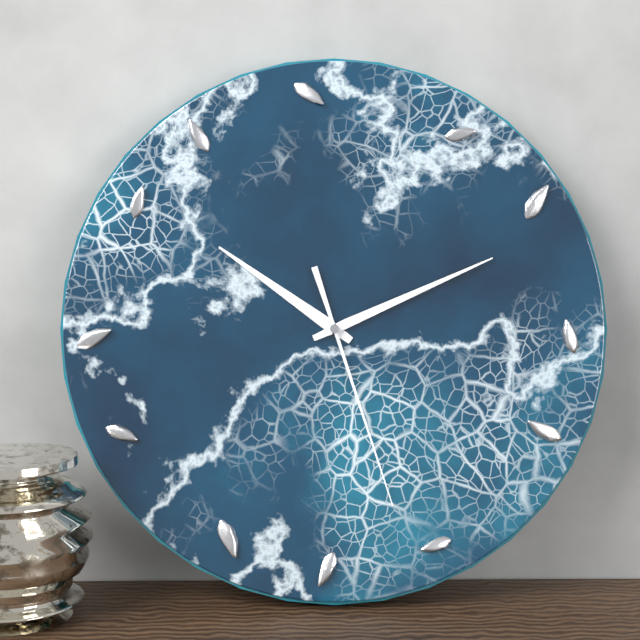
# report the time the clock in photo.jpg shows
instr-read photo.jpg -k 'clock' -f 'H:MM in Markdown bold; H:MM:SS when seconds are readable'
**10:11:27**
